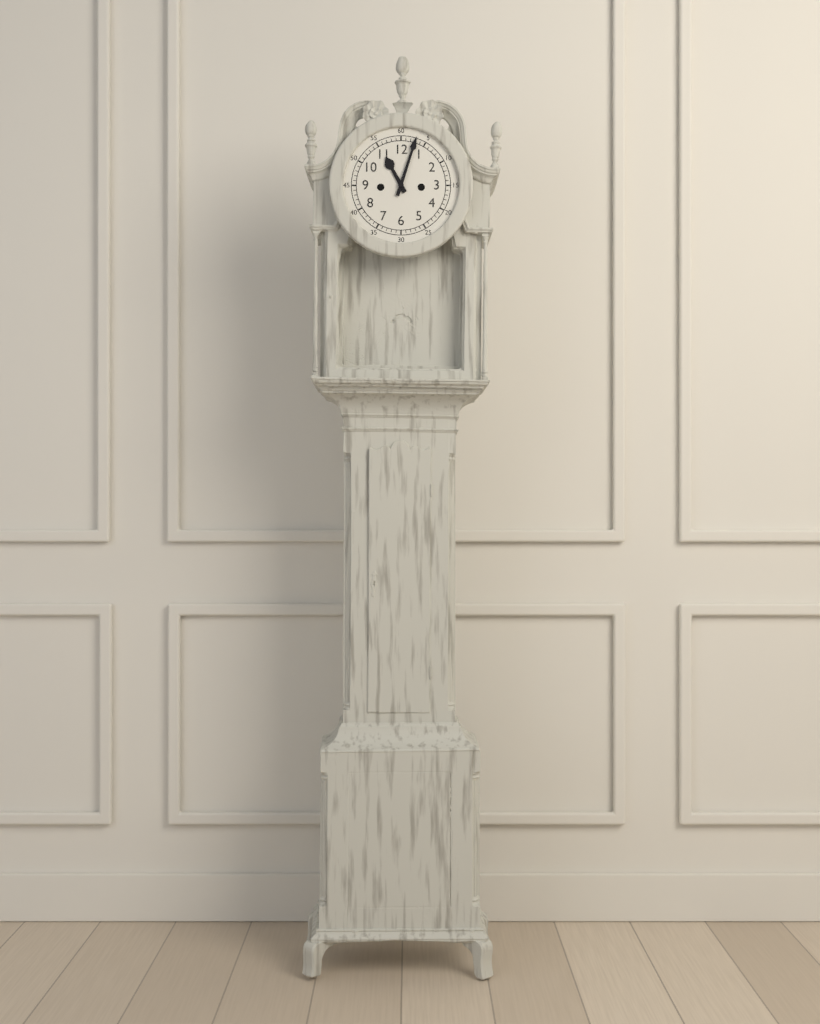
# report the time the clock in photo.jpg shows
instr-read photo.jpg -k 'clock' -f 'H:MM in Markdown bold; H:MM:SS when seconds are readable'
**11:03**
